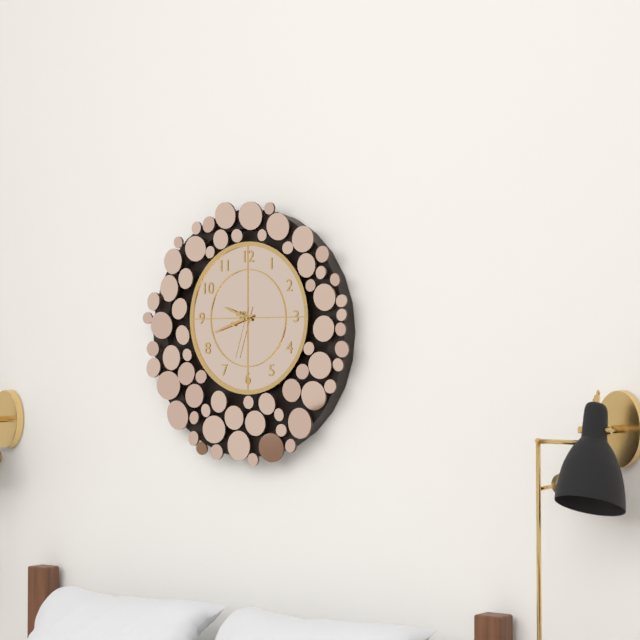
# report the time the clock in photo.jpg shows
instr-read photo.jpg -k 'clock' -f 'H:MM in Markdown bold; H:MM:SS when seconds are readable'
**9:42:33**
